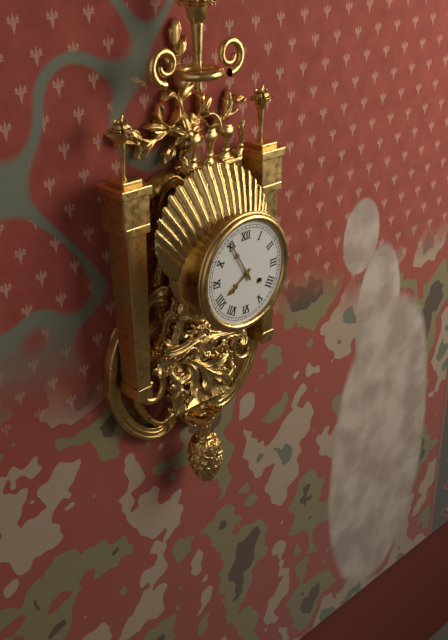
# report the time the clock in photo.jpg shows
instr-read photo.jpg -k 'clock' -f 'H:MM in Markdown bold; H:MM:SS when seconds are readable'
**7:55**
